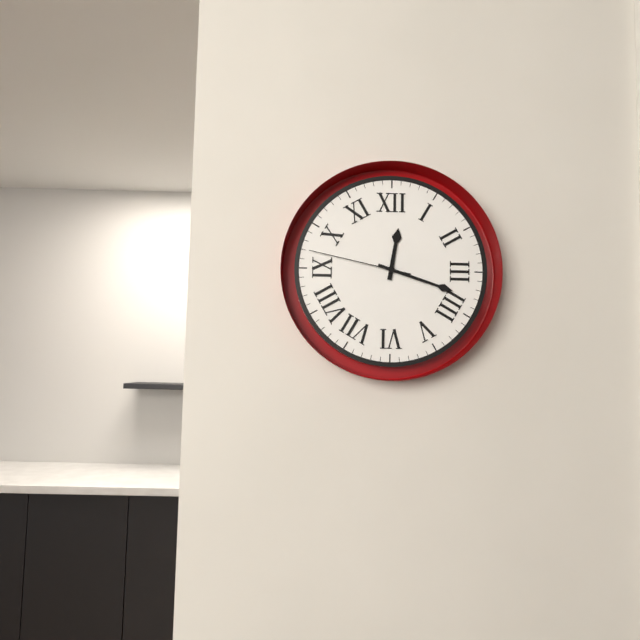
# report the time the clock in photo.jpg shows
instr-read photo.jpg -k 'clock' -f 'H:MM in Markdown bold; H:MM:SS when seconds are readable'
**12:18:47**
